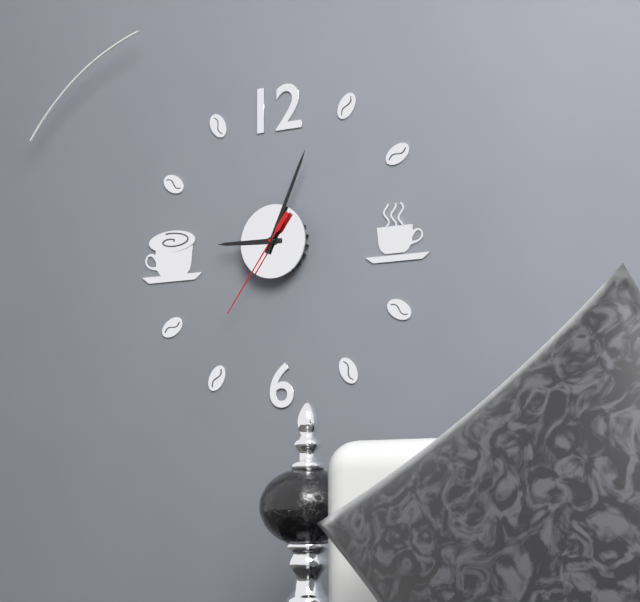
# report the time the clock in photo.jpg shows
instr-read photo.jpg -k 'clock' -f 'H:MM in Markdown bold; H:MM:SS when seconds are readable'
**9:04:36**
